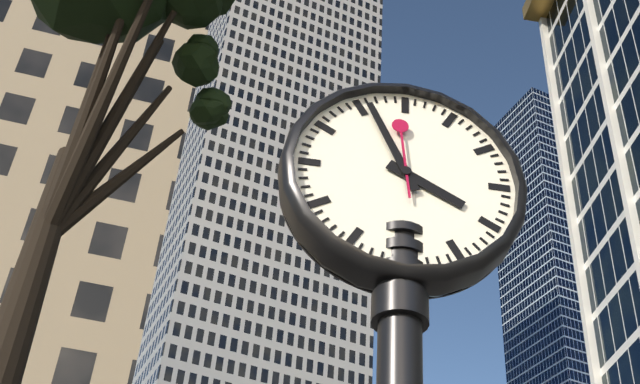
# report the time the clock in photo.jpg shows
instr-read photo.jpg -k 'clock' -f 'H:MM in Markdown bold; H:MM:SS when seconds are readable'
**3:56:59**
